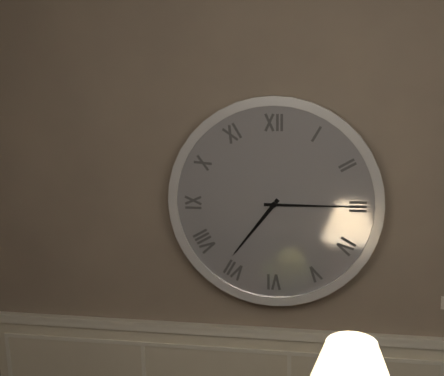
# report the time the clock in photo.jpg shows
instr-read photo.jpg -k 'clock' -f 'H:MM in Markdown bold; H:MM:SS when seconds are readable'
**7:15**
